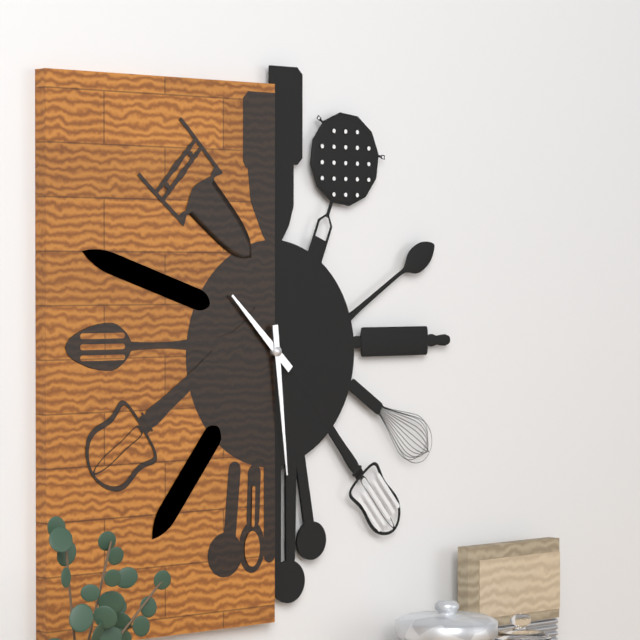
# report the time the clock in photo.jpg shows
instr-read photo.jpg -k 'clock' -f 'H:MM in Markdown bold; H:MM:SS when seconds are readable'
**10:29**
